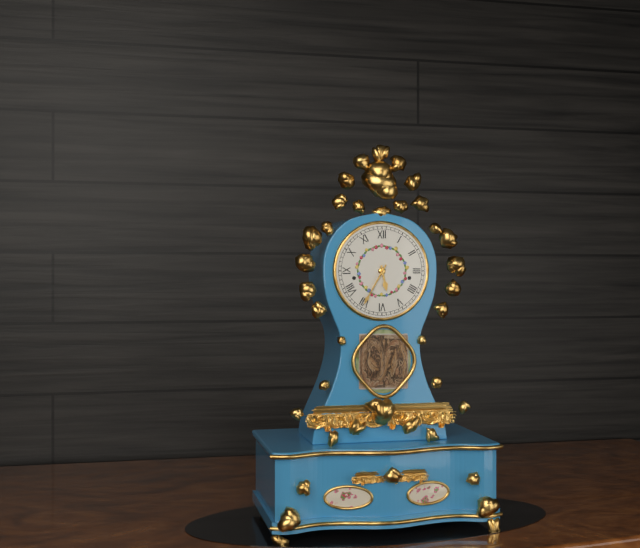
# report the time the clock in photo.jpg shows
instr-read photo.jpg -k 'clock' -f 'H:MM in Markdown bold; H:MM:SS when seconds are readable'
**5:35**
